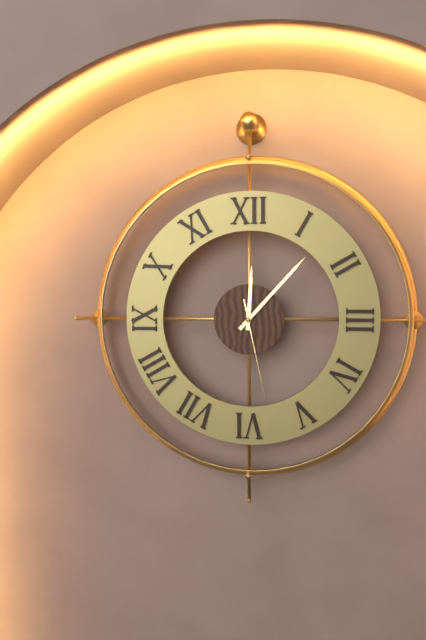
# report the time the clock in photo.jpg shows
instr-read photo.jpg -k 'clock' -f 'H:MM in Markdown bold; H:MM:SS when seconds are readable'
**12:07:28**
